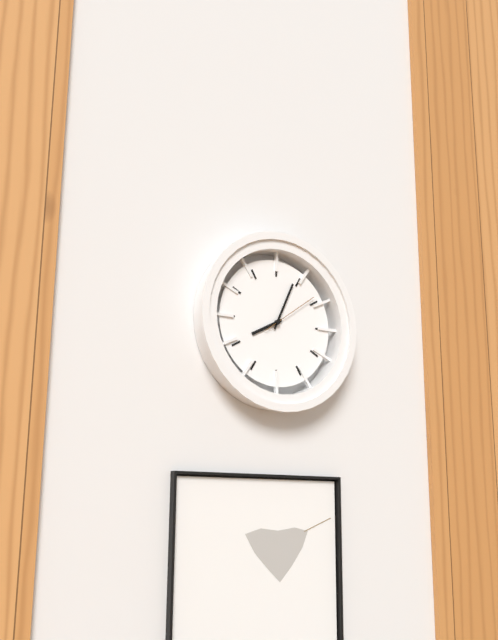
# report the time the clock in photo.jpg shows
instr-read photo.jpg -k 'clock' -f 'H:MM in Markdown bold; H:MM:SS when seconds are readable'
**8:04:09**
